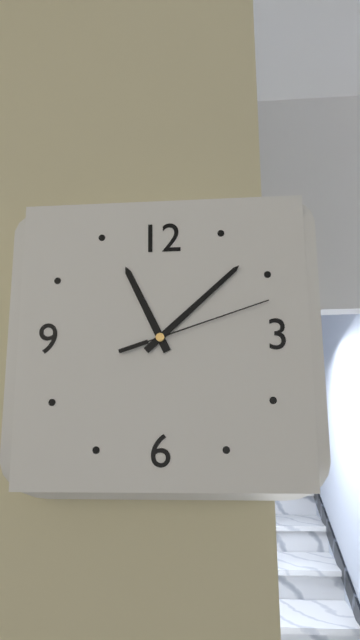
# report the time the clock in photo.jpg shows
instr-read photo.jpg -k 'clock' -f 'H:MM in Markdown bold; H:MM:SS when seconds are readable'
**11:08:12**
